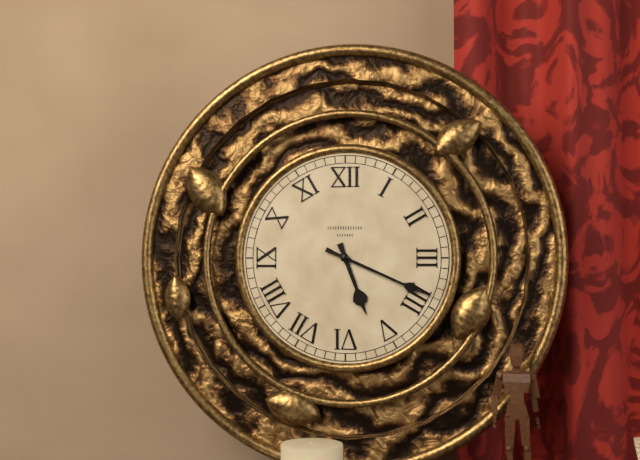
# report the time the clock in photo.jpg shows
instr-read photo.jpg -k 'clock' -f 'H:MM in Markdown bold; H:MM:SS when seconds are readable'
**5:19**
